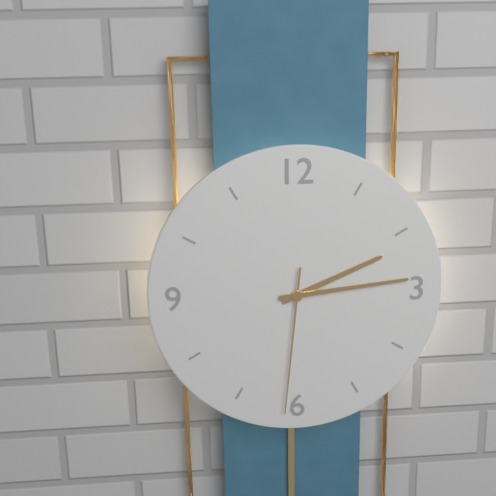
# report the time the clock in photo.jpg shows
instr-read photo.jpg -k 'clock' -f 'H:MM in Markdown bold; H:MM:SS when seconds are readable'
**2:14:31**
